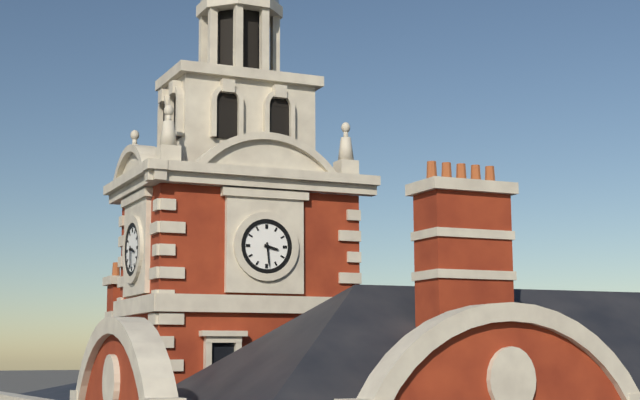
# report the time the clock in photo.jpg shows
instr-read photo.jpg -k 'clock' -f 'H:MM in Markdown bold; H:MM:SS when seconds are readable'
**3:29**
